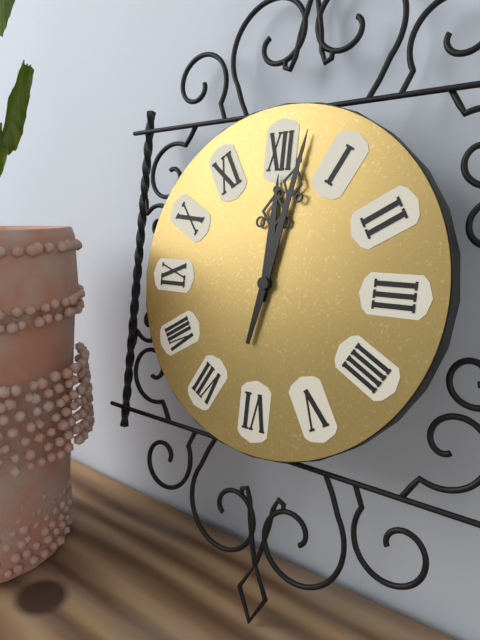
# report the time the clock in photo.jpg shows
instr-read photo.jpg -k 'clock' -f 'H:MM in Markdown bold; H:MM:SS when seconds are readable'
**12:02**
